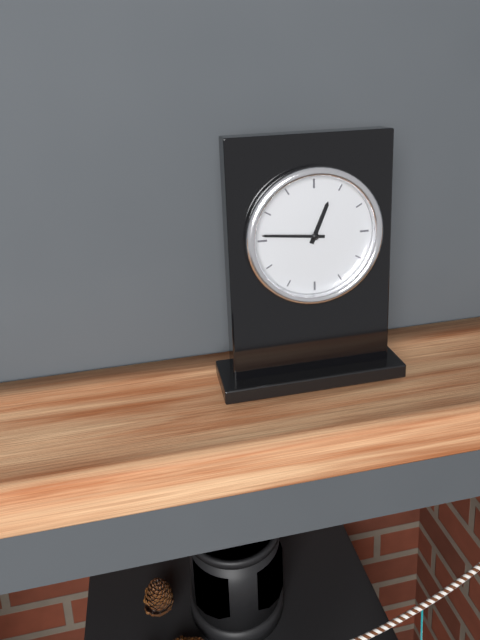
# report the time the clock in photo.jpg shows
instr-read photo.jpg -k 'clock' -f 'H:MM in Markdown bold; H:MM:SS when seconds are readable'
**12:46**
